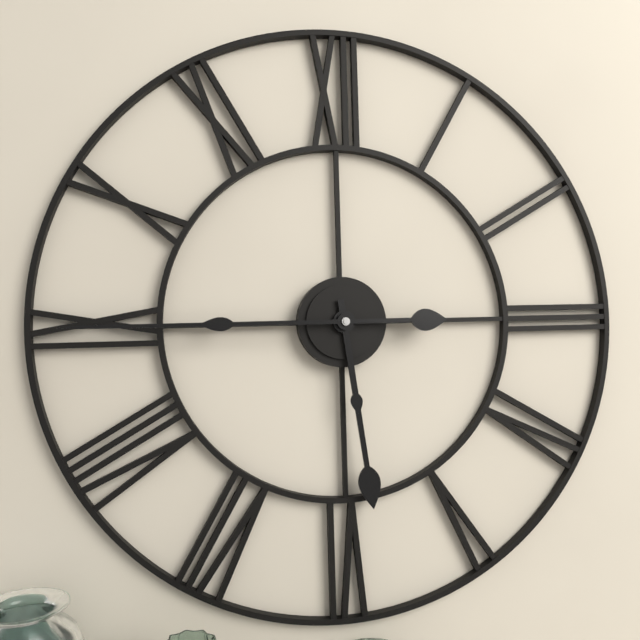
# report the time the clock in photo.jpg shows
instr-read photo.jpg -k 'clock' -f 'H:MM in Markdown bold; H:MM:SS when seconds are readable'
**5:45**
